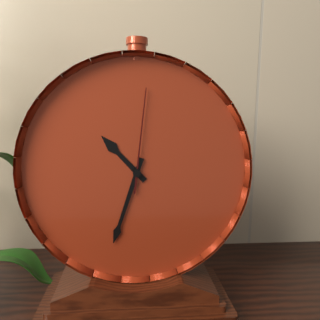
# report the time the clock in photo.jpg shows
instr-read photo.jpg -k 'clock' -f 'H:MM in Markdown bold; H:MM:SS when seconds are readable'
**10:33:01**
